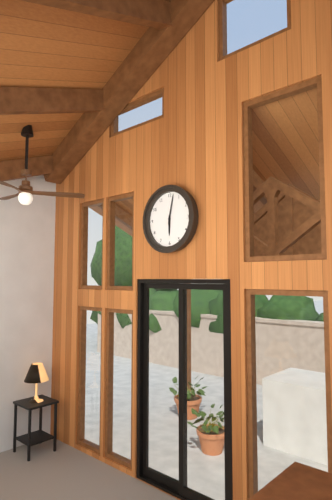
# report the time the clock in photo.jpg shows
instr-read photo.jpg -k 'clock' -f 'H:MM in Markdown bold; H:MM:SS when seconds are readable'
**6:02**
